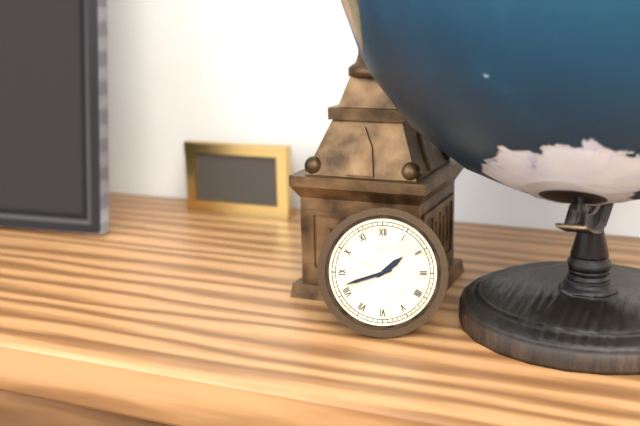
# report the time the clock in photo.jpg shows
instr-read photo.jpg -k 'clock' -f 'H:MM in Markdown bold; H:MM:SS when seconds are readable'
**1:42**
